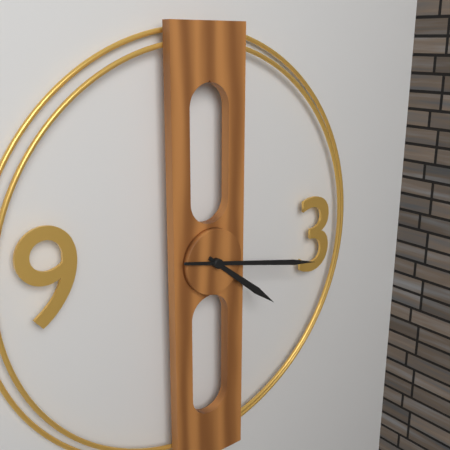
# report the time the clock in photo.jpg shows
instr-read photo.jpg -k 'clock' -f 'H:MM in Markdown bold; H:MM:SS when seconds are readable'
**4:17**
